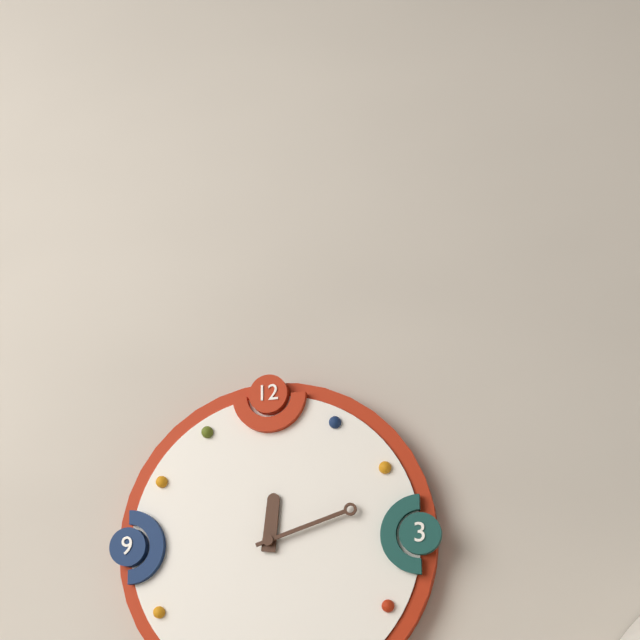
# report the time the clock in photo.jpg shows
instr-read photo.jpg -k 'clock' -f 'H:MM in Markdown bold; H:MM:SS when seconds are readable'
**12:12**
